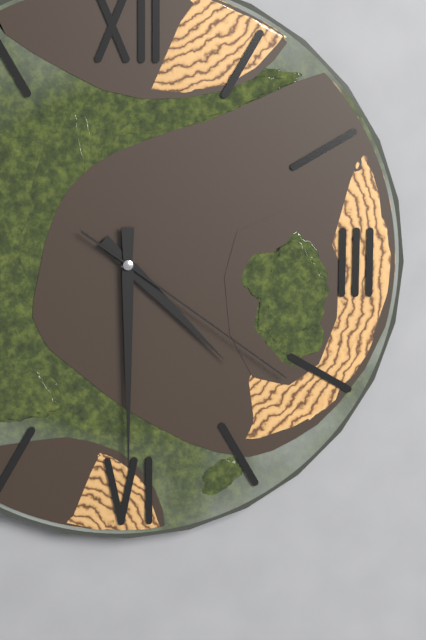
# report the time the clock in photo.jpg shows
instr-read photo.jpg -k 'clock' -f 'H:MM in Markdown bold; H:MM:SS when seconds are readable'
**4:30:21**
